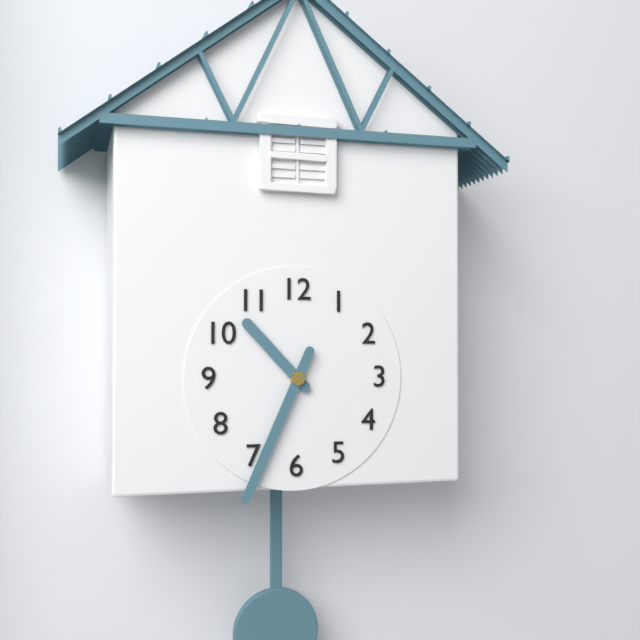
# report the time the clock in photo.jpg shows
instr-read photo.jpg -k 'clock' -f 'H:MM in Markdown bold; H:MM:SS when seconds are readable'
**10:34**
